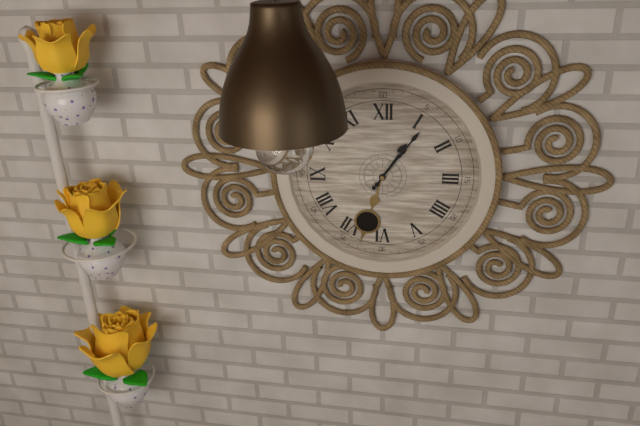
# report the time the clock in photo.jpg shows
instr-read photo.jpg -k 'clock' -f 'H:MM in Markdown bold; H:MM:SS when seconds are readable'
**1:06**
